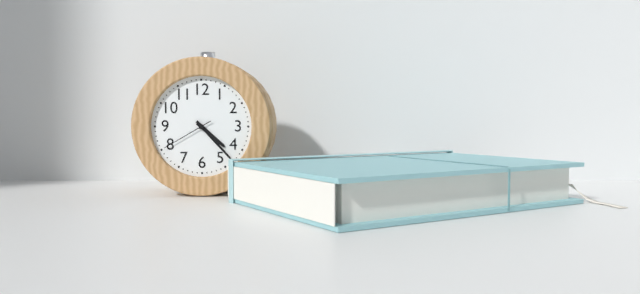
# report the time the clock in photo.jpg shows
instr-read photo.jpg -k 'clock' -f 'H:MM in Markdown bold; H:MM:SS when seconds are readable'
**4:23:40**
